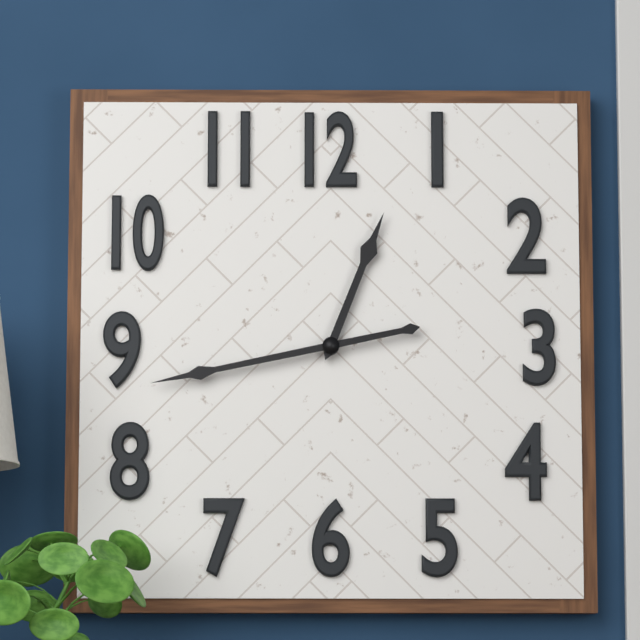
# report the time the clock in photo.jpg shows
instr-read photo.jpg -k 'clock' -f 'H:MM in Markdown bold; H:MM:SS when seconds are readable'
**12:43**
